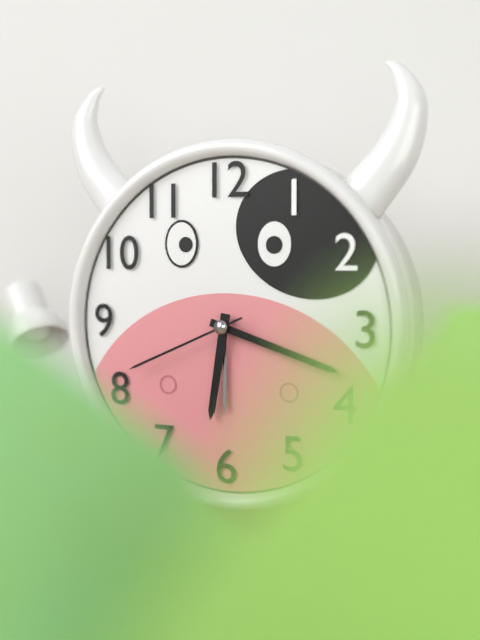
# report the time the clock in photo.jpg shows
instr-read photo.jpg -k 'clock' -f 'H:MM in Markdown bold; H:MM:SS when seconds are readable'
**6:18:41**
